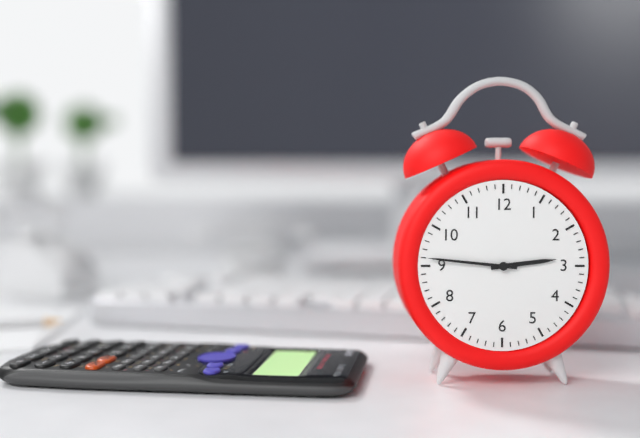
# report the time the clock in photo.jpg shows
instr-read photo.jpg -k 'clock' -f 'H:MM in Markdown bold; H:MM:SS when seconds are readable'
**2:46**
